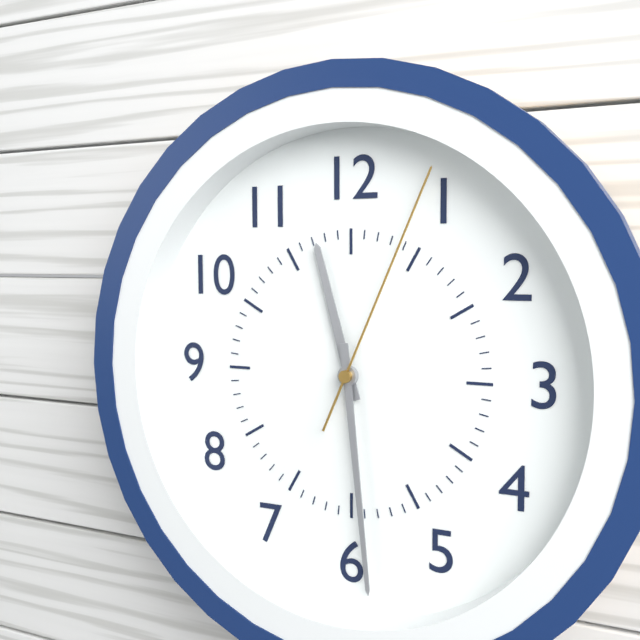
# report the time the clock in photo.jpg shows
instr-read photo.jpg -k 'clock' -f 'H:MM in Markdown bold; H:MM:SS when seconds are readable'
**11:29:04**
